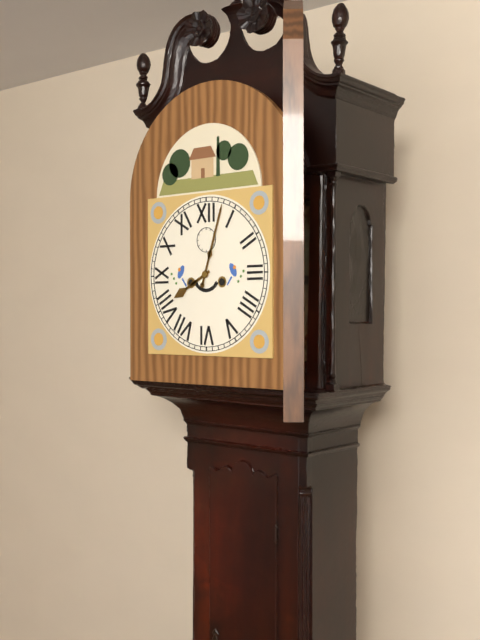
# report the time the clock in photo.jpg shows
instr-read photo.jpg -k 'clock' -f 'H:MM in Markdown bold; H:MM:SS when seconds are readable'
**8:03**
